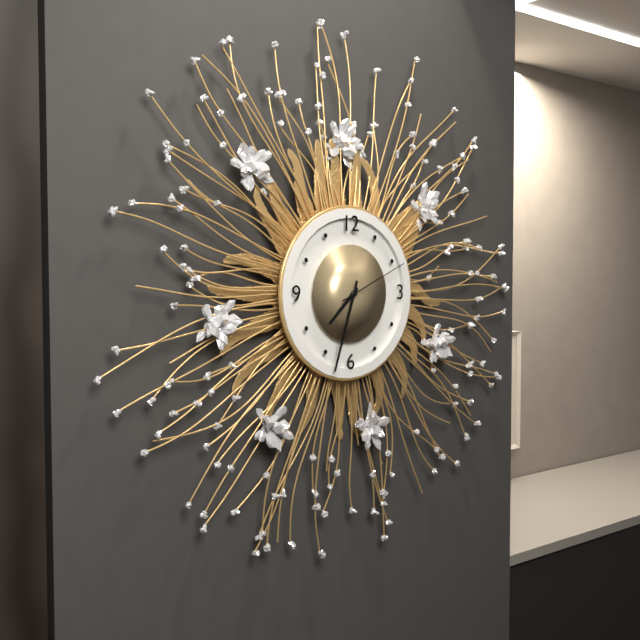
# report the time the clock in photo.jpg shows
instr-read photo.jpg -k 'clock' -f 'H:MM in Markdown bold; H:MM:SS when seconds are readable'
**7:33:11**
